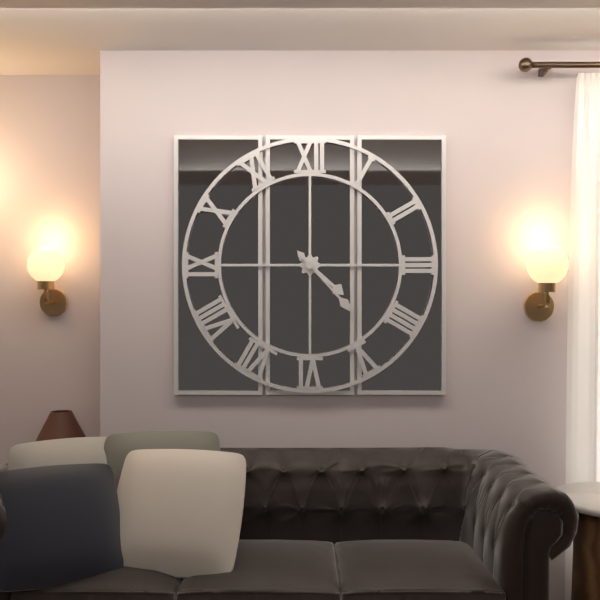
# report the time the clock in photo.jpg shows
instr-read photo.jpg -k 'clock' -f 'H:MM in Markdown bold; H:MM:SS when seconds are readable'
**4:23**
